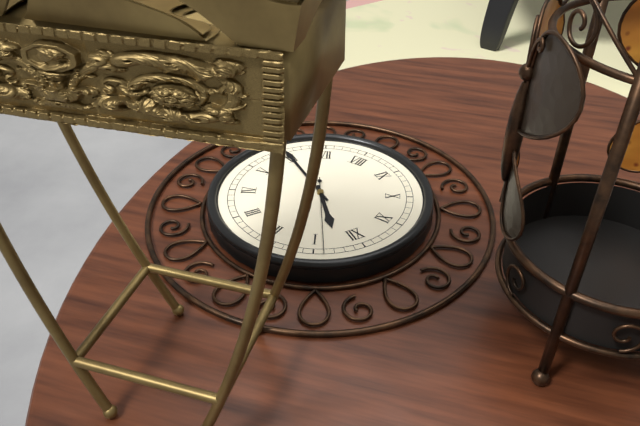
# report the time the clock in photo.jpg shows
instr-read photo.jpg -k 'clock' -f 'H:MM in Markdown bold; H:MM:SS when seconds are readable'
**12:30:04**
